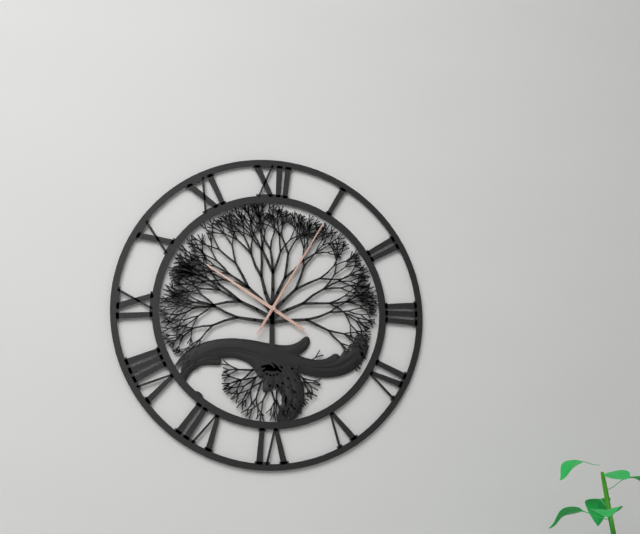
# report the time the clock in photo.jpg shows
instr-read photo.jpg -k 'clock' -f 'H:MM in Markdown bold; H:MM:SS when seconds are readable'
**10:05:05**
